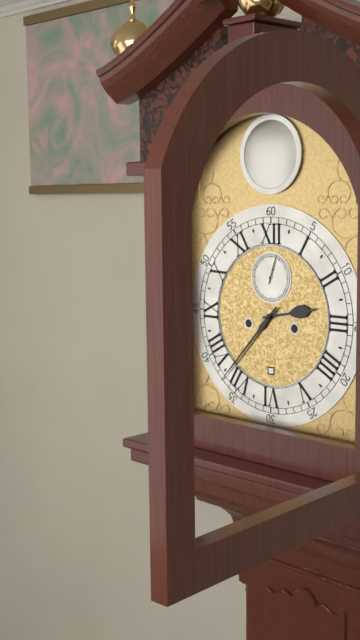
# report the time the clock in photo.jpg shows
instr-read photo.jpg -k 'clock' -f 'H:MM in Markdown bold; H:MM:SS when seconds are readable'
**2:37**
